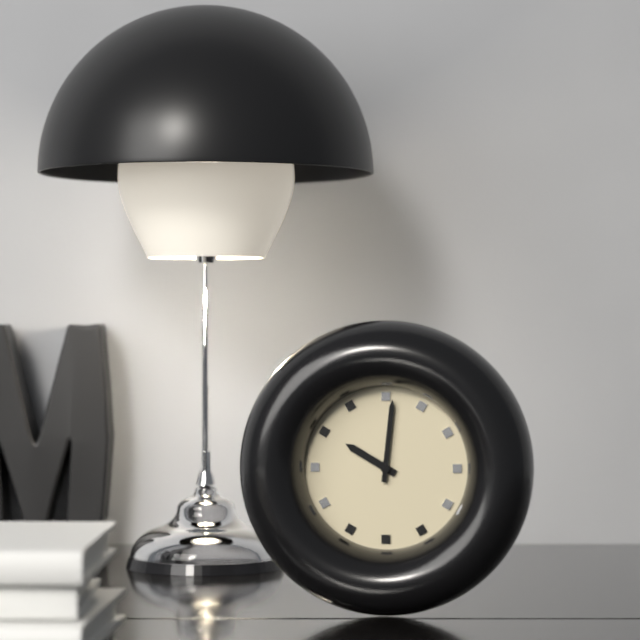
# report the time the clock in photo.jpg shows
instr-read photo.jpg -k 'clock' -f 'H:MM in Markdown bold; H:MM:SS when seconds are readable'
**10:01**
